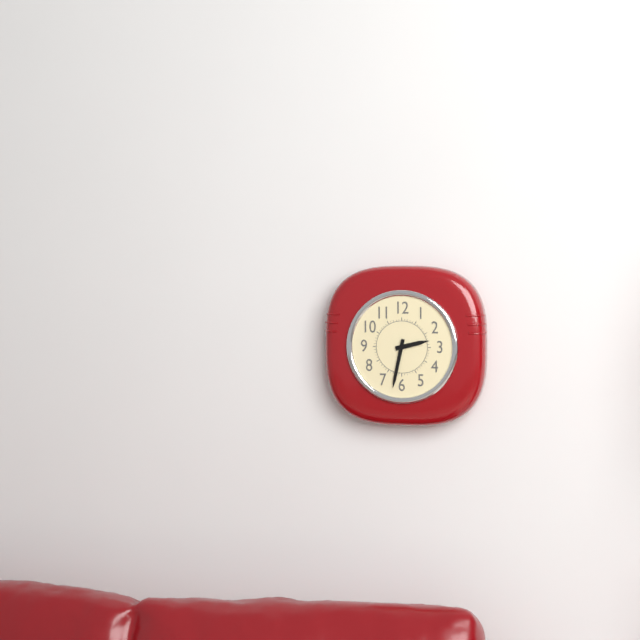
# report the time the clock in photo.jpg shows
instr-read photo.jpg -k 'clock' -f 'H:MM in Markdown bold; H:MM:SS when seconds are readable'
**2:32**
